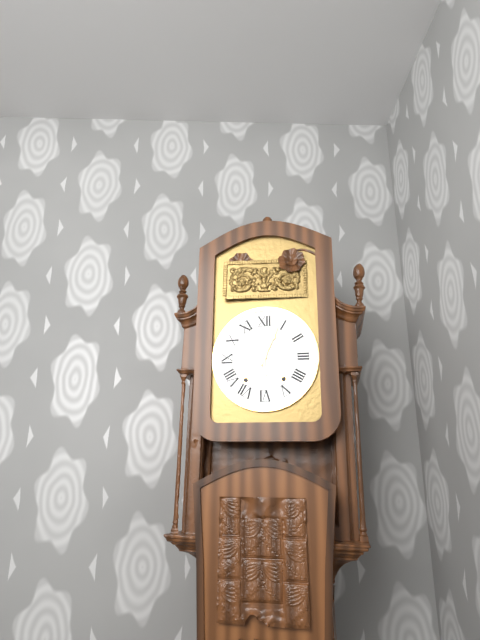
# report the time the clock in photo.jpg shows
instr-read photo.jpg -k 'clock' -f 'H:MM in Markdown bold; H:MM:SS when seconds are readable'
**6:04**
